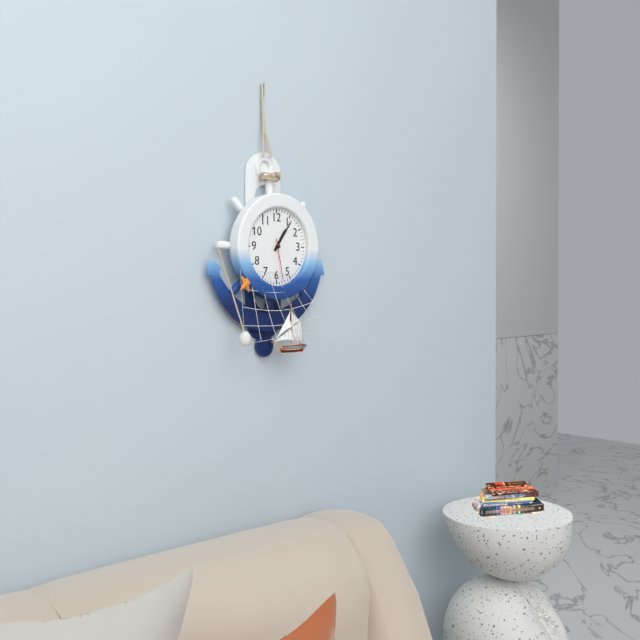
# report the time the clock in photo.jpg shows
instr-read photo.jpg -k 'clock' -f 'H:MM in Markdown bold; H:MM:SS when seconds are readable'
**1:06:28**
